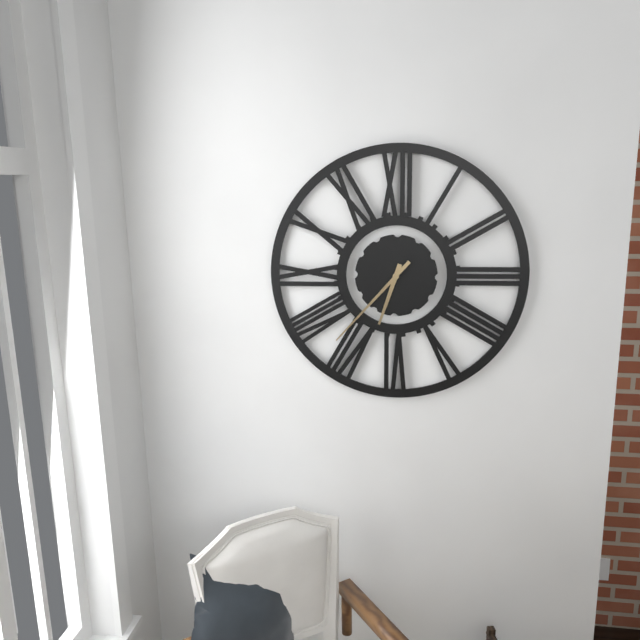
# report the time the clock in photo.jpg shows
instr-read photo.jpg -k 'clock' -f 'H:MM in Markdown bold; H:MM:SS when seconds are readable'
**6:37**
